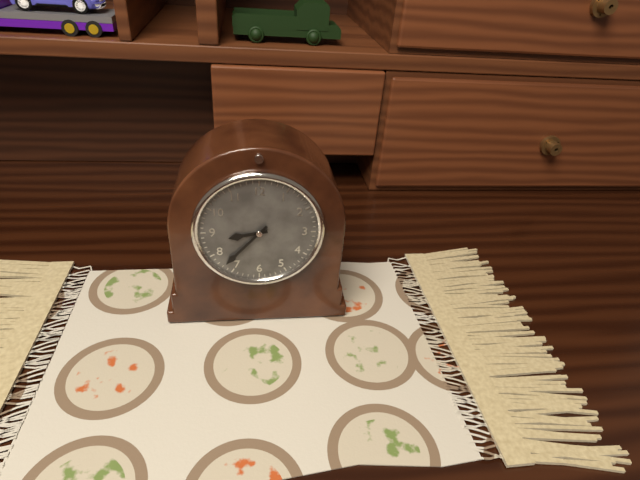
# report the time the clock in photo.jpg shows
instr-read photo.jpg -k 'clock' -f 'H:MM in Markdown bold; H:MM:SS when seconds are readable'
**8:37**
